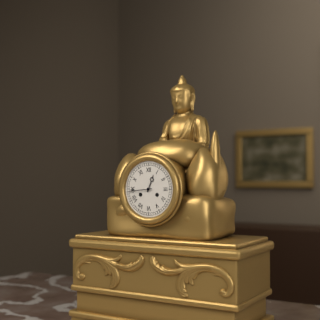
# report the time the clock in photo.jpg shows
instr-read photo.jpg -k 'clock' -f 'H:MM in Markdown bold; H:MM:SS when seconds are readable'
**12:44**
